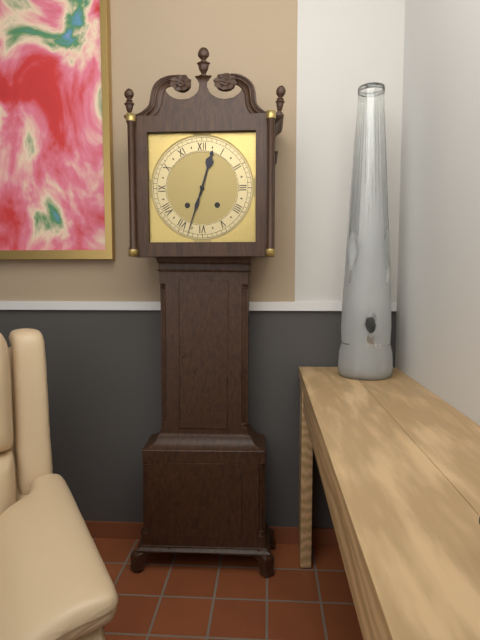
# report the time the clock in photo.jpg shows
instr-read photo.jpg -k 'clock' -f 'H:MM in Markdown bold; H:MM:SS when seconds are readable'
**12:33**
